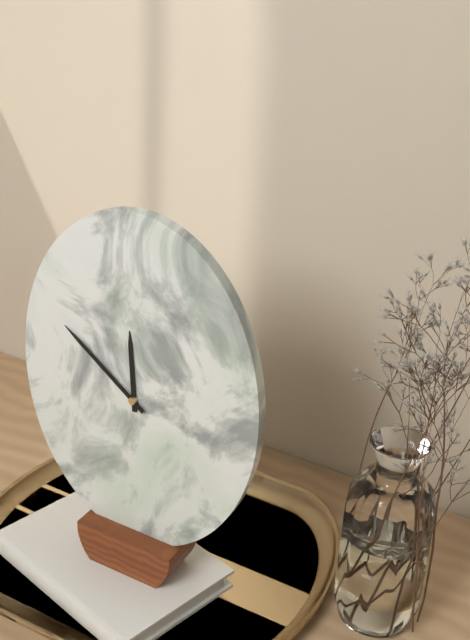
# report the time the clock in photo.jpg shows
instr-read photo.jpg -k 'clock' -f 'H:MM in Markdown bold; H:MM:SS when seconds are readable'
**11:51**
